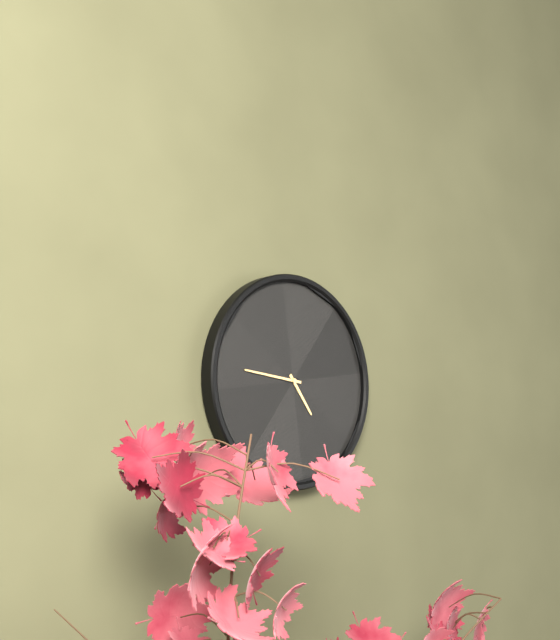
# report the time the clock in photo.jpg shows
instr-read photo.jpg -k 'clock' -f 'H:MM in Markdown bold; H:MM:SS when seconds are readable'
**4:46**
